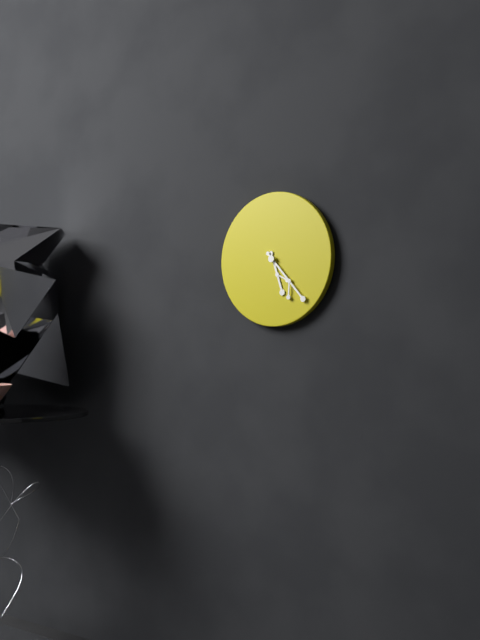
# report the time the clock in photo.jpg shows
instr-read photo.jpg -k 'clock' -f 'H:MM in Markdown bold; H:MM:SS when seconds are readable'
**5:23**
